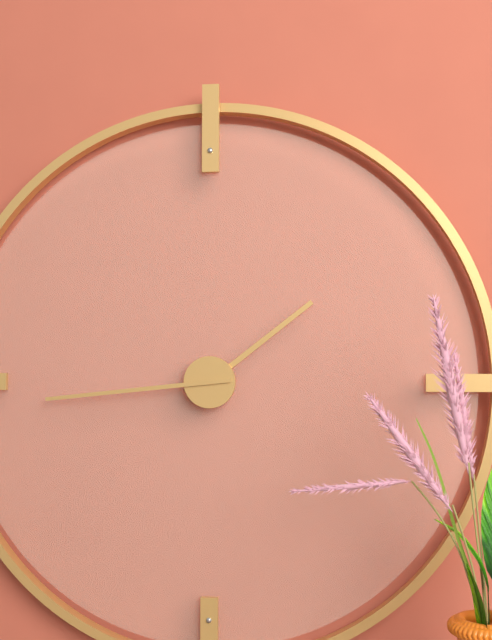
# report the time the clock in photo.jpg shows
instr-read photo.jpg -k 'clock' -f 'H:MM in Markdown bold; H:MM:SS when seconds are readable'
**1:44**
